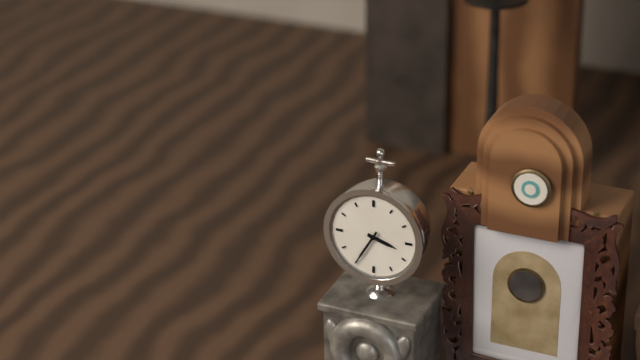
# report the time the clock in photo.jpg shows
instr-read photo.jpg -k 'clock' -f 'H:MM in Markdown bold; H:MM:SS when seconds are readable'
**3:35**
